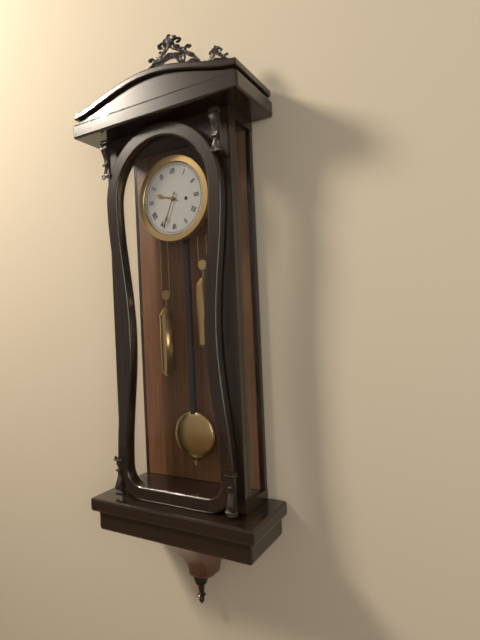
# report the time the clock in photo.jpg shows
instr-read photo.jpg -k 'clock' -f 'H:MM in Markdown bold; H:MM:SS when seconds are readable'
**9:34**
